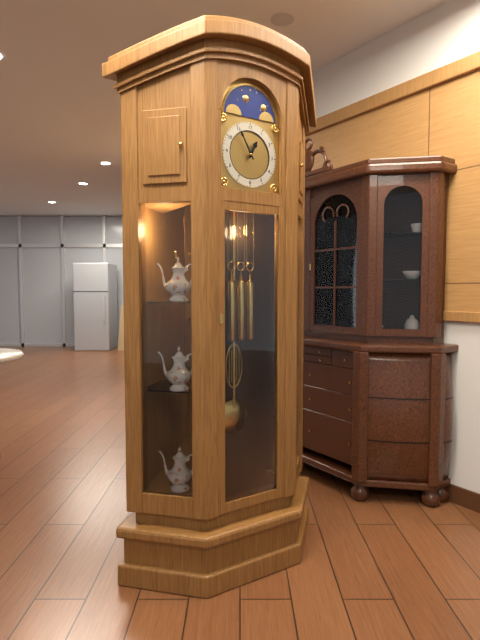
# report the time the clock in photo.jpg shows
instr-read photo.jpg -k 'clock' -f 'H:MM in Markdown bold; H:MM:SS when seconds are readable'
**12:55**
